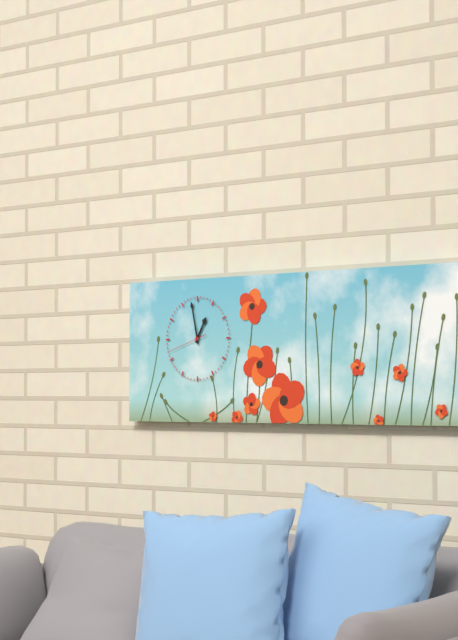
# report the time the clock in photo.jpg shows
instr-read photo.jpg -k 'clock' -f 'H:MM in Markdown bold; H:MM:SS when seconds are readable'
**12:58**
